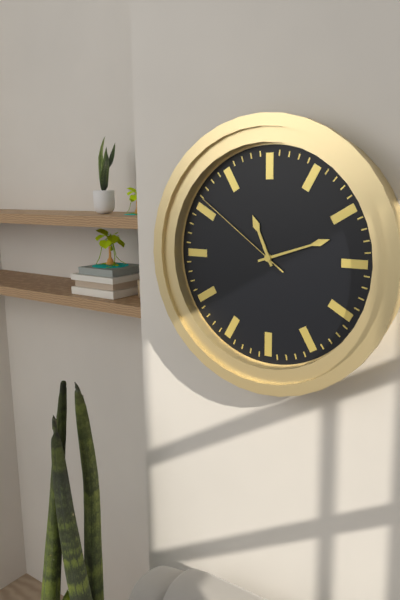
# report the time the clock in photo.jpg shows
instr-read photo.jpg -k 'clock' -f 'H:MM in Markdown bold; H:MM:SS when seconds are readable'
**11:12:51**
